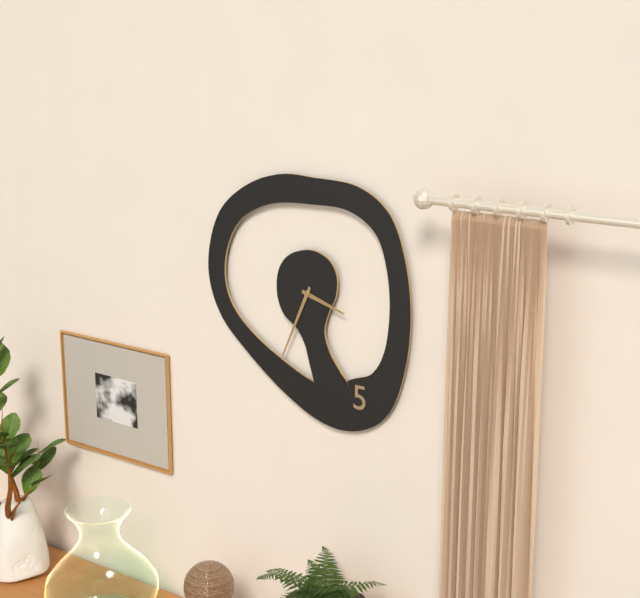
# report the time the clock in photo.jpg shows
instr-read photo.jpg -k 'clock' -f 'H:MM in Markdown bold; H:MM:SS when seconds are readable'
**3:34**
